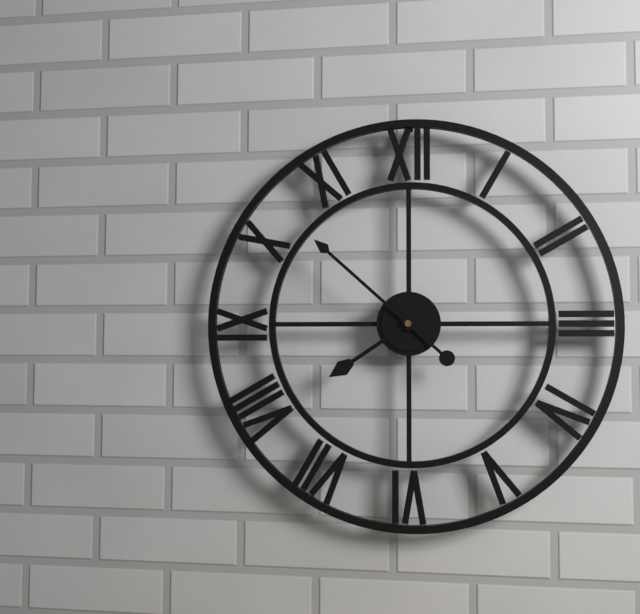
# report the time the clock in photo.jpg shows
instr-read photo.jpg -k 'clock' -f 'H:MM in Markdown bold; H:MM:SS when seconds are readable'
**7:52**
